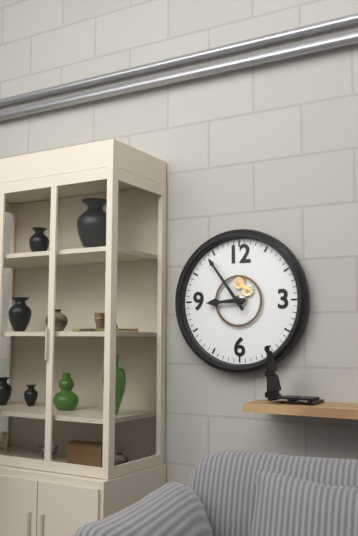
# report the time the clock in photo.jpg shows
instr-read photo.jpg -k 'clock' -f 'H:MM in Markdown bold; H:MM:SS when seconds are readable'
**8:54**
